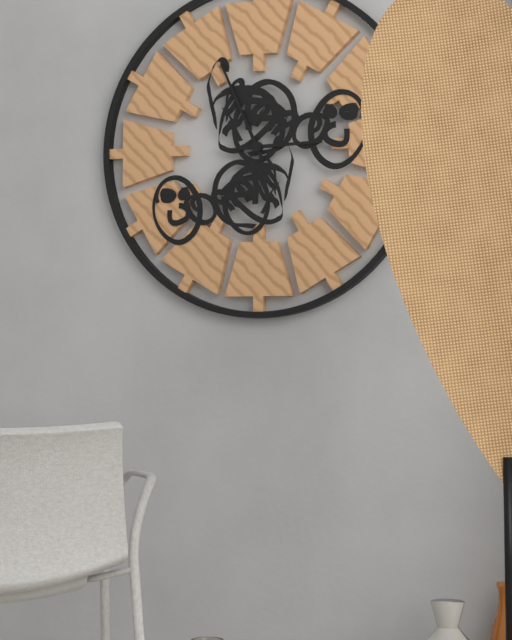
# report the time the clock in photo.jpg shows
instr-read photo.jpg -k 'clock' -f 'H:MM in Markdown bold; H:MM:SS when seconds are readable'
**2:56**
